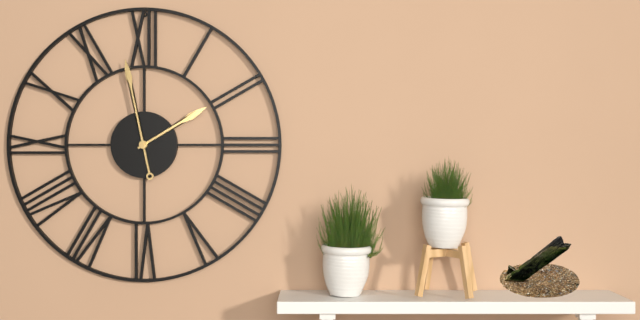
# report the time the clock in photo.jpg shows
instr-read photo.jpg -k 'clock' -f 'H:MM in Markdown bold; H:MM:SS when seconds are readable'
**1:58**
